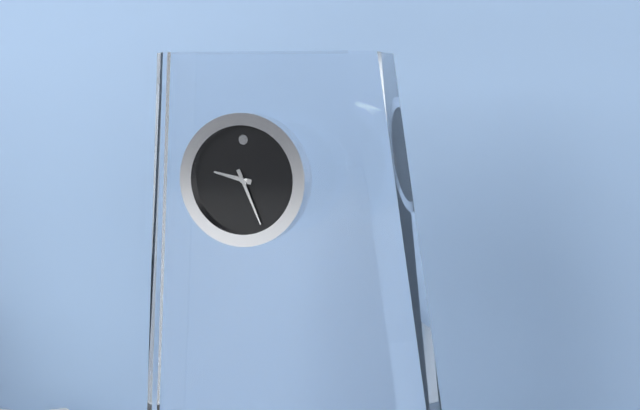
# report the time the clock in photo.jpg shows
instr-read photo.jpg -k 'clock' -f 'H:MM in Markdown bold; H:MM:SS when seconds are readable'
**9:26**
